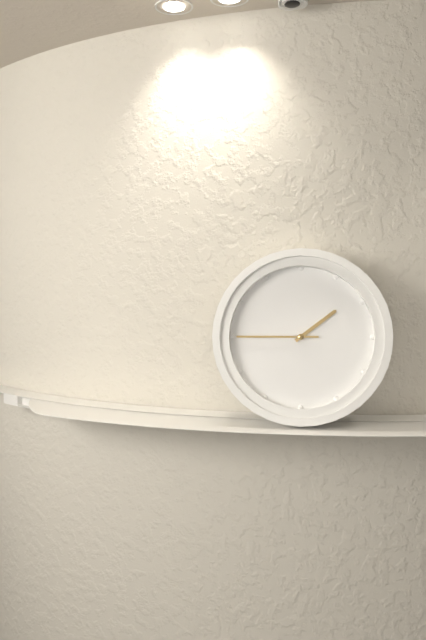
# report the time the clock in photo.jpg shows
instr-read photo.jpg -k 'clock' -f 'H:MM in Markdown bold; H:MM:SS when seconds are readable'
**1:45**
